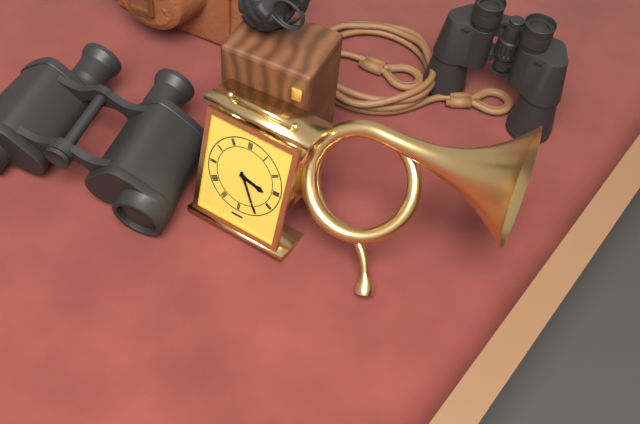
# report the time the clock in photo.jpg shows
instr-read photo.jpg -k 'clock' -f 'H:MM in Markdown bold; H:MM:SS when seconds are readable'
**3:25**
